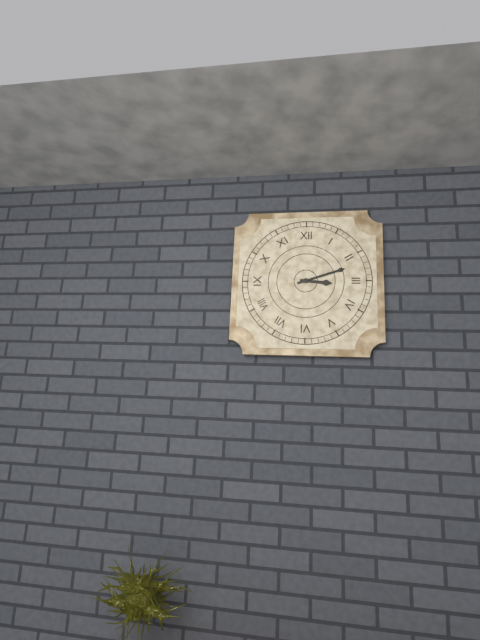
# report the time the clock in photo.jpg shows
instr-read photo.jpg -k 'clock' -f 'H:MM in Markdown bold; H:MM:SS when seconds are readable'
**3:12**
